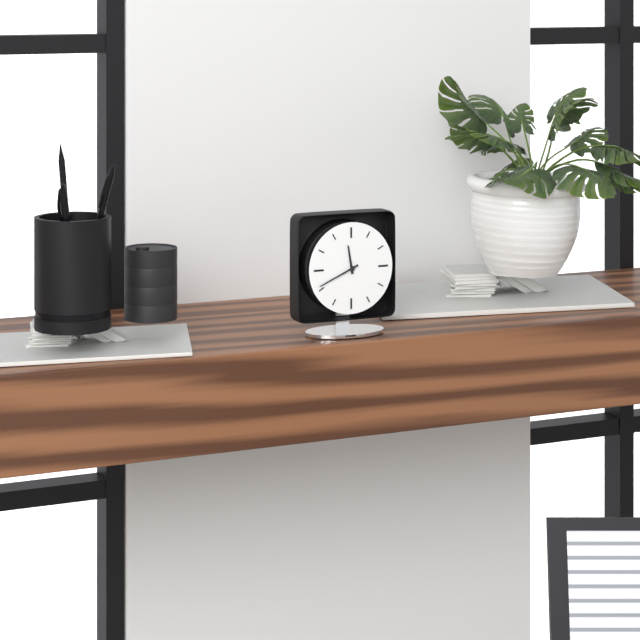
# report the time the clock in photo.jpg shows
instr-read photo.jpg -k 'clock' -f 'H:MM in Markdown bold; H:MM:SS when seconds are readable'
**11:41**
